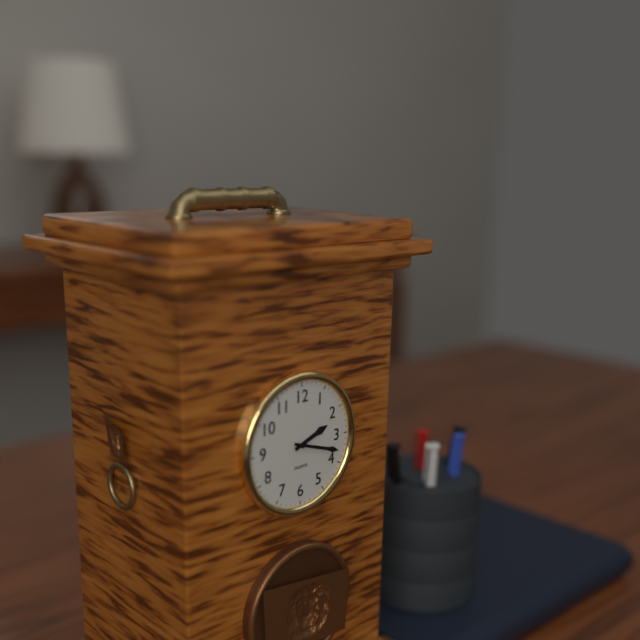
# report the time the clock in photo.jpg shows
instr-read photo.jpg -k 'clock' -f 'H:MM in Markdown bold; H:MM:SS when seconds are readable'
**2:18**
